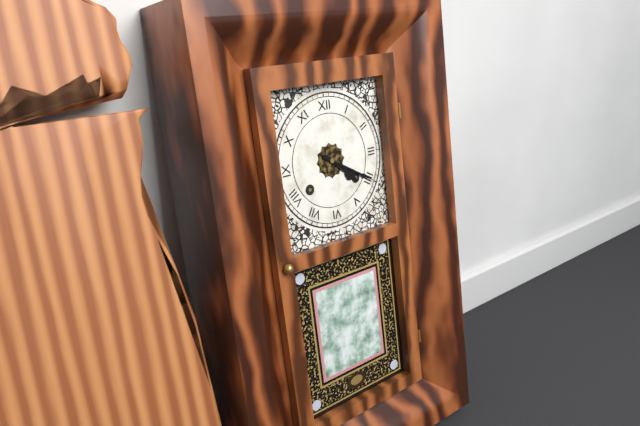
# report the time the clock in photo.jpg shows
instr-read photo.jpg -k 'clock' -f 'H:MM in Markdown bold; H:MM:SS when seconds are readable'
**4:20**
